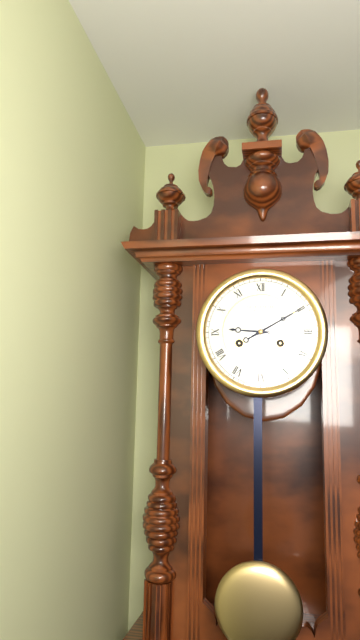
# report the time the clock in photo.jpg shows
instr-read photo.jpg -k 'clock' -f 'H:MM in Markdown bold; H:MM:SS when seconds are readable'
**9:10**
